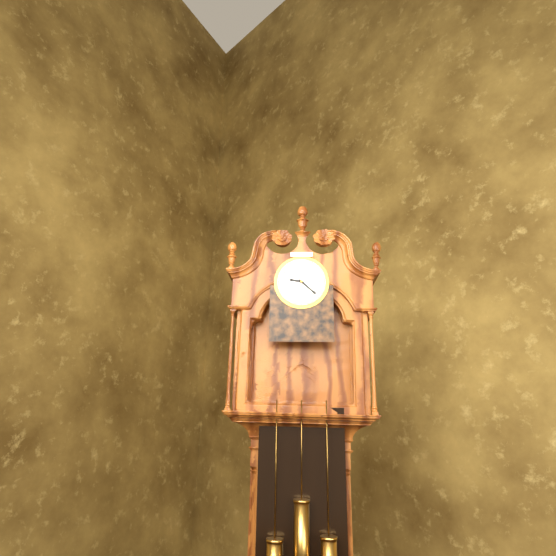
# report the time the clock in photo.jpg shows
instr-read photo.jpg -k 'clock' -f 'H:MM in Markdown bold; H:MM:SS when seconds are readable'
**9:22**
